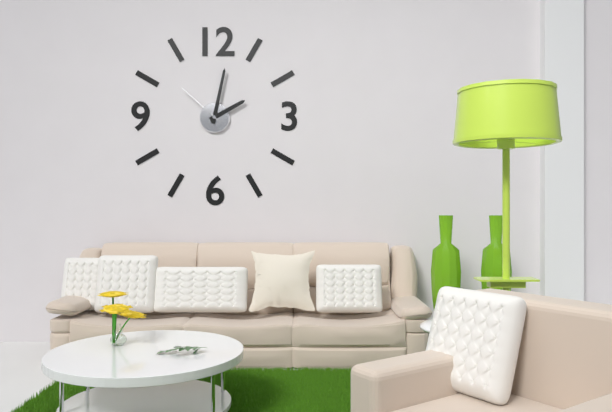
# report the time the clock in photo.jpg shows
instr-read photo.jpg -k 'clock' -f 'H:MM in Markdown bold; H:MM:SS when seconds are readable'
**2:02:52**
